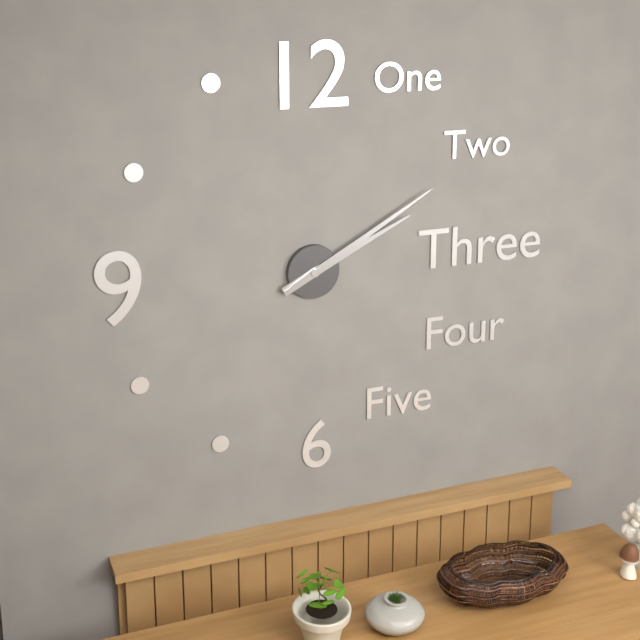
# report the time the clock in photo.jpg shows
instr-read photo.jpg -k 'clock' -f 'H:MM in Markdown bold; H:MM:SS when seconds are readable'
**2:10**
